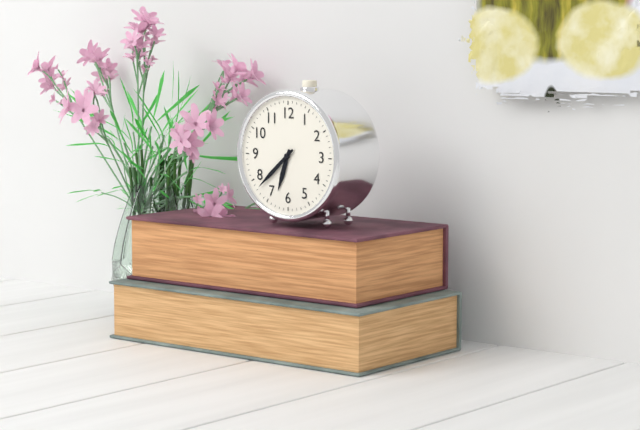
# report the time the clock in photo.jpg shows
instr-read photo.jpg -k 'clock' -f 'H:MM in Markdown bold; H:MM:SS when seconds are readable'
**6:38**
